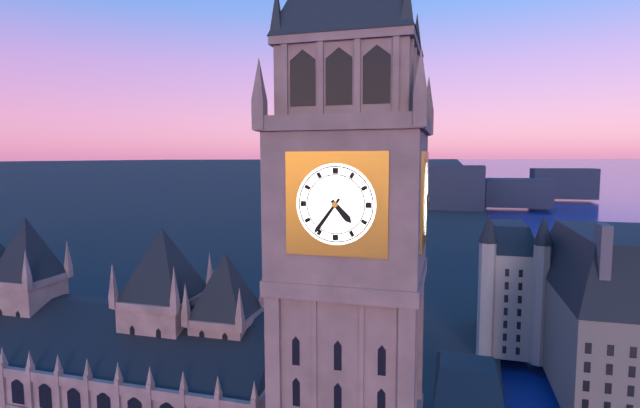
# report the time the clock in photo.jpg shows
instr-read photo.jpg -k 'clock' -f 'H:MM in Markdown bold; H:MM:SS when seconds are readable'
**4:36**
